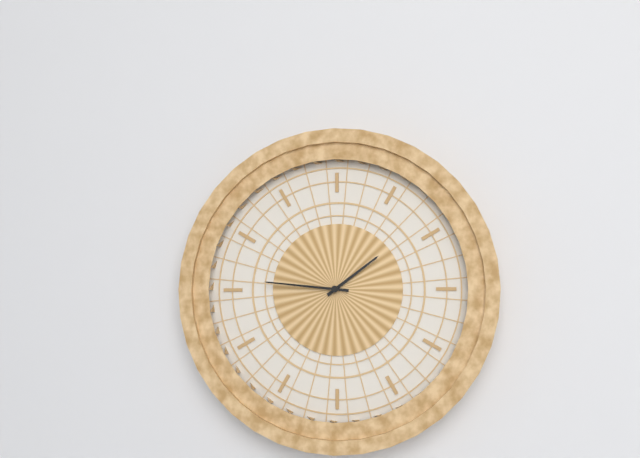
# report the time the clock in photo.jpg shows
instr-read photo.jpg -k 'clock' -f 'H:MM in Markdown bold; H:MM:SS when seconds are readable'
**1:46**
